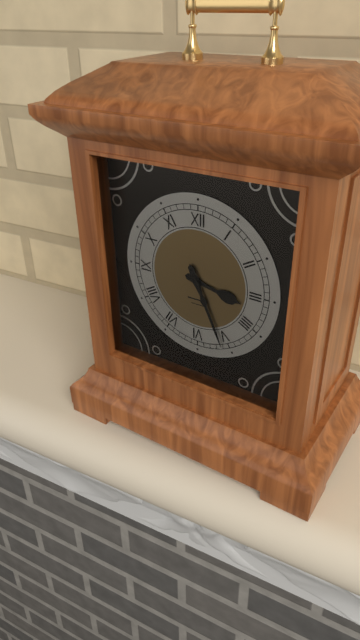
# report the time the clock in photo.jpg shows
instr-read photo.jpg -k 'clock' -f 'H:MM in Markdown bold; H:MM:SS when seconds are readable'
**3:26**
